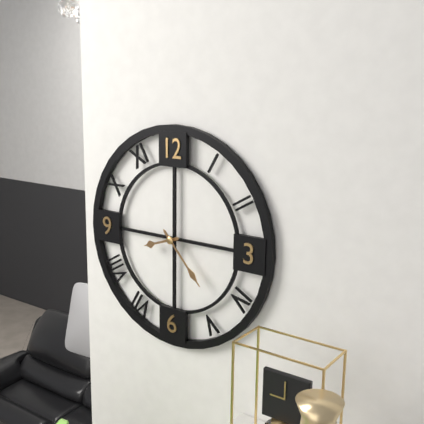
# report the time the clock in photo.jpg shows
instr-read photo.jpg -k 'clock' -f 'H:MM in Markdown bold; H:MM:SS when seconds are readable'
**8:23**
